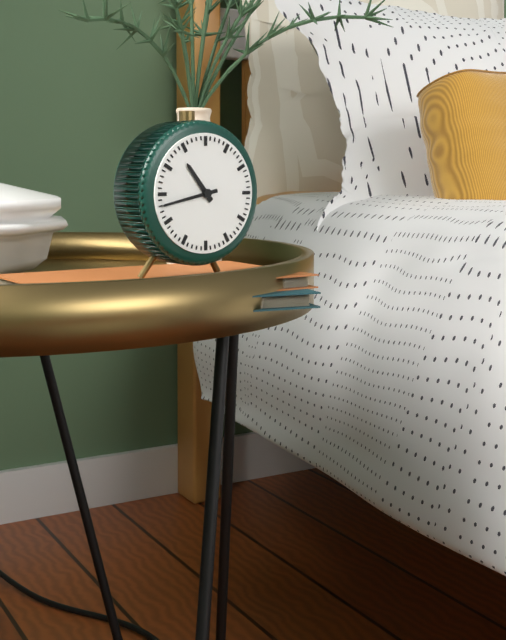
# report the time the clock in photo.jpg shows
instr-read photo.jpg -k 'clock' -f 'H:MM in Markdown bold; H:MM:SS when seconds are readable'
**10:43**
